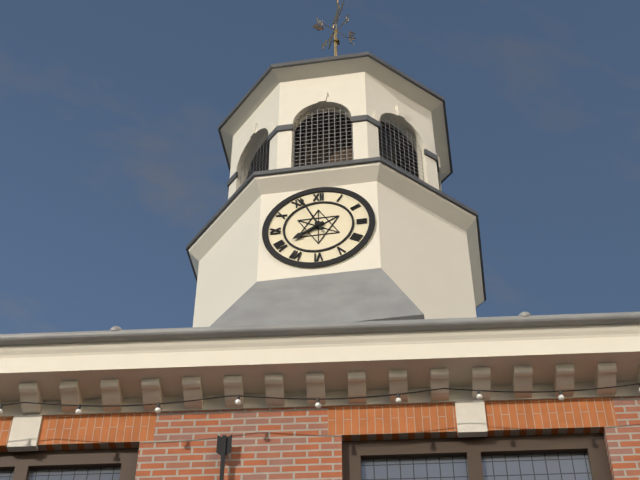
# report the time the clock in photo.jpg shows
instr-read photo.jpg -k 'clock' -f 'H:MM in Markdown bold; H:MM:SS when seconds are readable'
**7:56**
